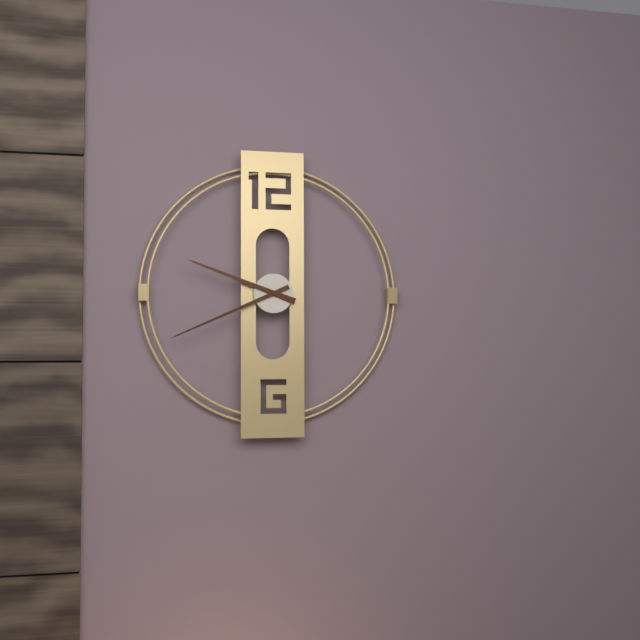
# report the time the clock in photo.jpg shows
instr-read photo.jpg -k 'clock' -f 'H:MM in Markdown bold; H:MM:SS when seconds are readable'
**9:41**
